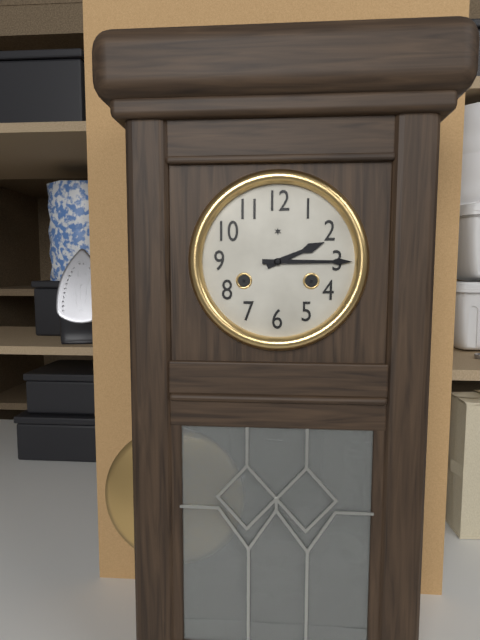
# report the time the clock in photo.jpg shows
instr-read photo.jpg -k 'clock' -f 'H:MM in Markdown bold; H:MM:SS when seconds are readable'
**2:15**
